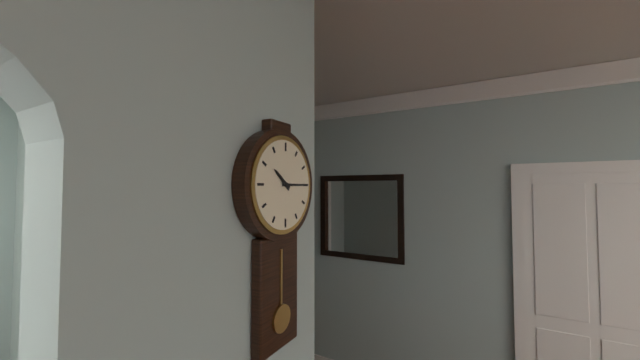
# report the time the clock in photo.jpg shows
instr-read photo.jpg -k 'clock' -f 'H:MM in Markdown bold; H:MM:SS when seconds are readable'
**10:15**
